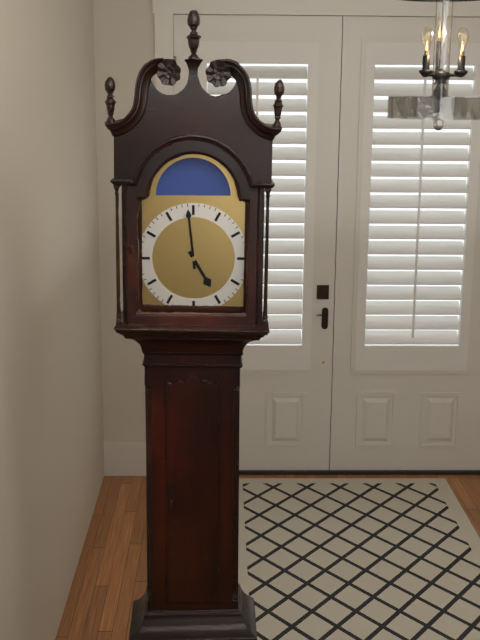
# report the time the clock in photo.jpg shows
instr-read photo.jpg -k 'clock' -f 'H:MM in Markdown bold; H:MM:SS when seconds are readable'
**4:59**
